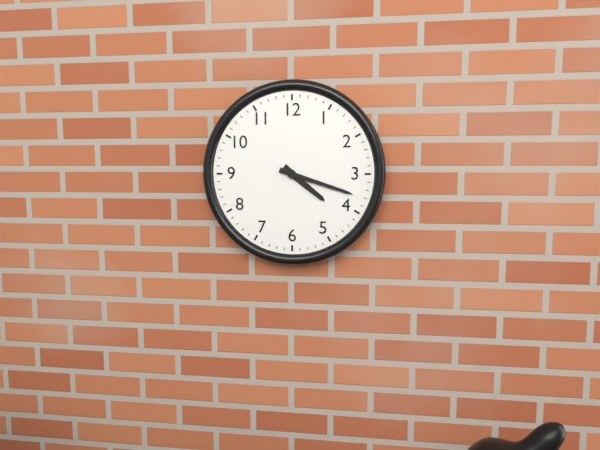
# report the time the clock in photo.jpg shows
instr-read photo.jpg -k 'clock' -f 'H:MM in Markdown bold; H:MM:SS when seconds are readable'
**4:18**
